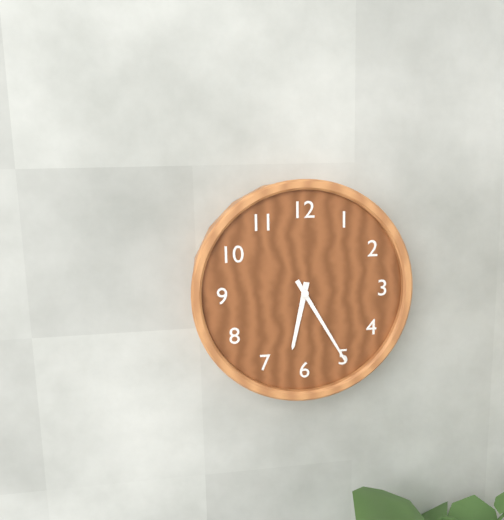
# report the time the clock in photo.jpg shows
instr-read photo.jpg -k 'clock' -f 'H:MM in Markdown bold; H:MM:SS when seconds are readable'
**6:25**
